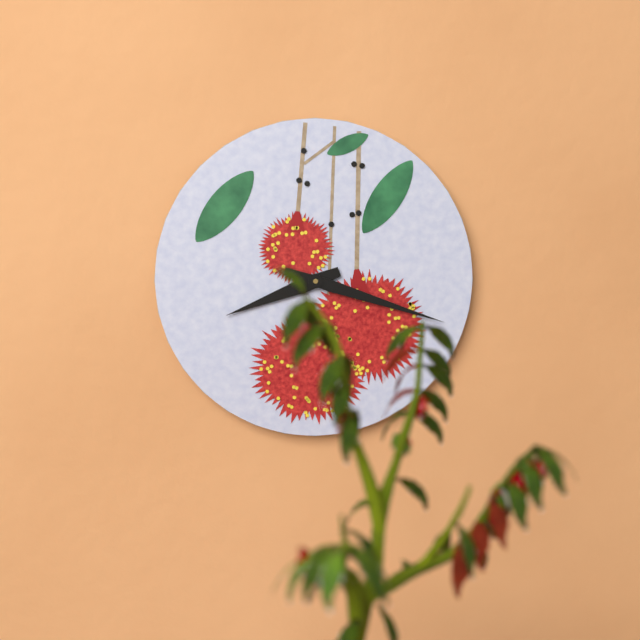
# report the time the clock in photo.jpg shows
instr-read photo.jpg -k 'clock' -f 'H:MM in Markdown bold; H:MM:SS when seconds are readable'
**8:18**
